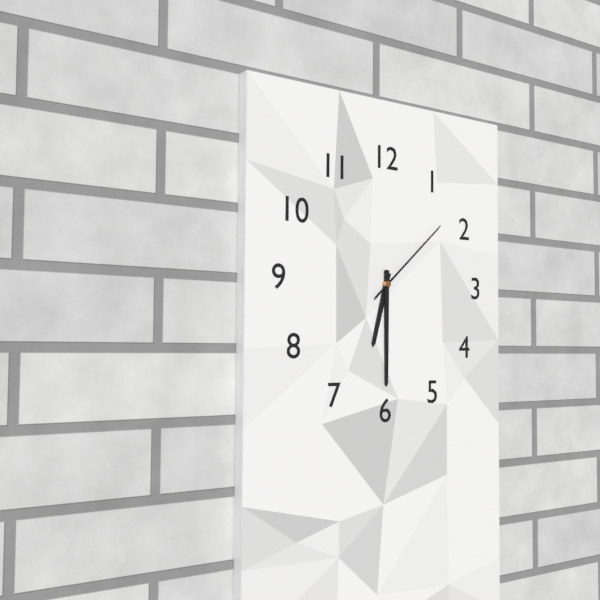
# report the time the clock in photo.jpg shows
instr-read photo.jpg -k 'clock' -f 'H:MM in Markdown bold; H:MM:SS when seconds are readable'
**6:30:08**
